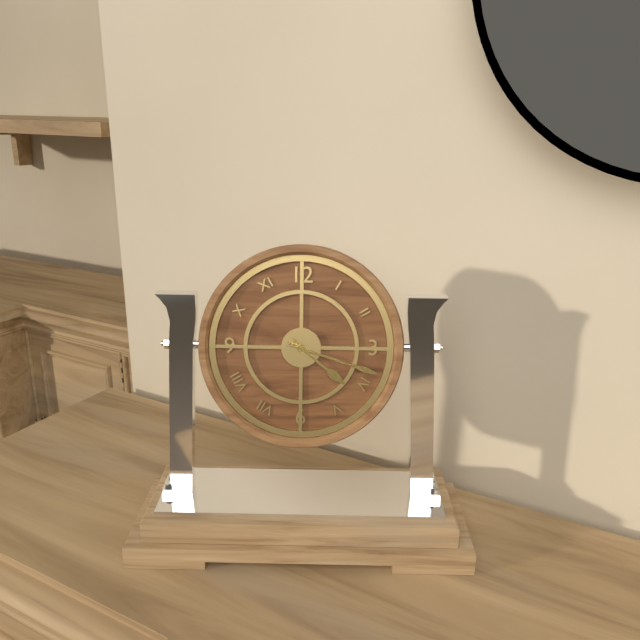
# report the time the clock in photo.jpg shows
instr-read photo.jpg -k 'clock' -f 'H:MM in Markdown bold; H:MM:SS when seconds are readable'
**4:18**
